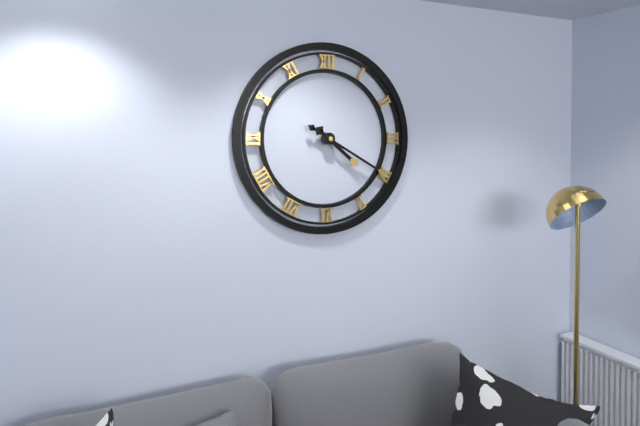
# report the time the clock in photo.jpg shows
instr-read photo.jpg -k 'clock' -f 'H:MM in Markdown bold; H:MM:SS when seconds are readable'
**4:20**
